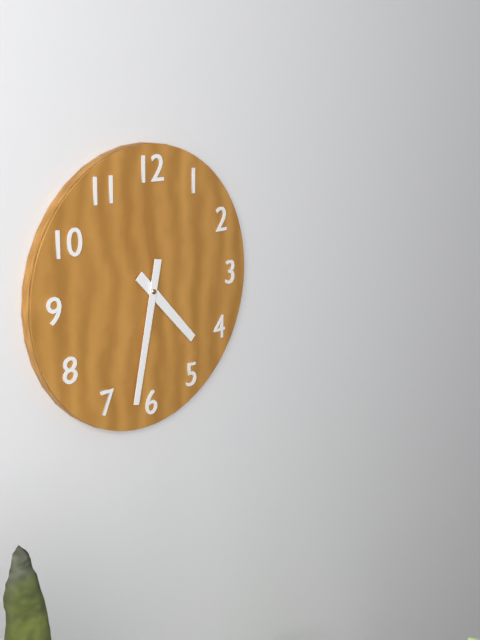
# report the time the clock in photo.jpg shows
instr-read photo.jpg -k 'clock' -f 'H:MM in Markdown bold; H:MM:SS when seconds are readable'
**4:32**
